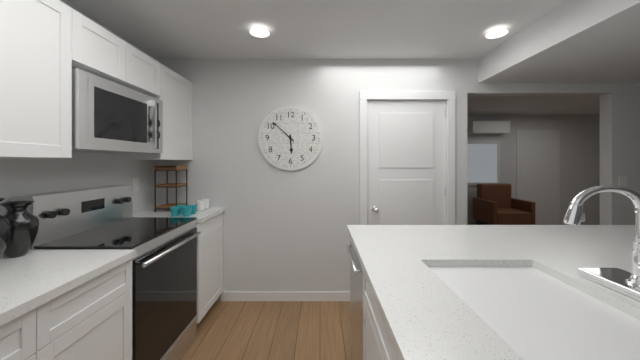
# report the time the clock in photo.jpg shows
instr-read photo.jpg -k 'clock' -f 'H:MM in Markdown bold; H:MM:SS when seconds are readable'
**5:52**
